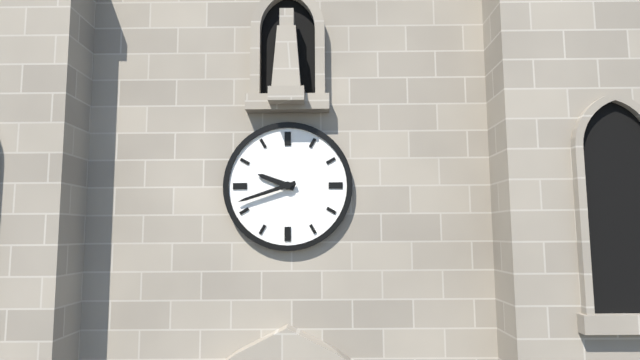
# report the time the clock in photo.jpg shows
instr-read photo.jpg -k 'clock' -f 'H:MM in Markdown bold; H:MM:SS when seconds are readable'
**9:42**
